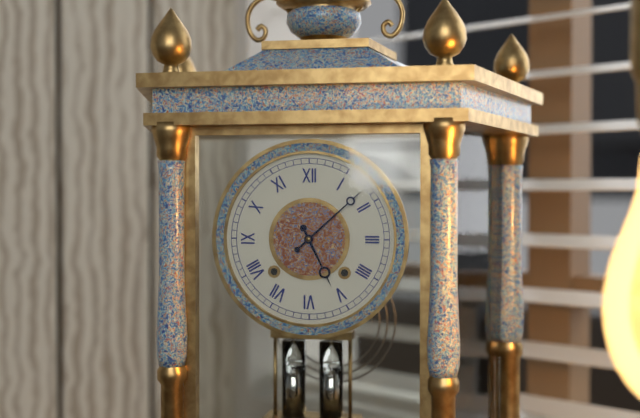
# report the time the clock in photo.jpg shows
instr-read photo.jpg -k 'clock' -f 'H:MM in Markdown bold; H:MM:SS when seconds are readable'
**5:08**
